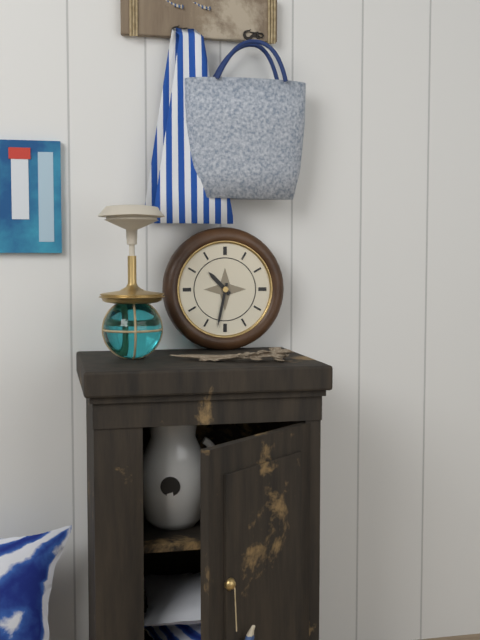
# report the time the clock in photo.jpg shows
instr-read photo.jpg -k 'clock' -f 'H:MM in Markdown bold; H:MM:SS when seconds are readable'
**10:32**
